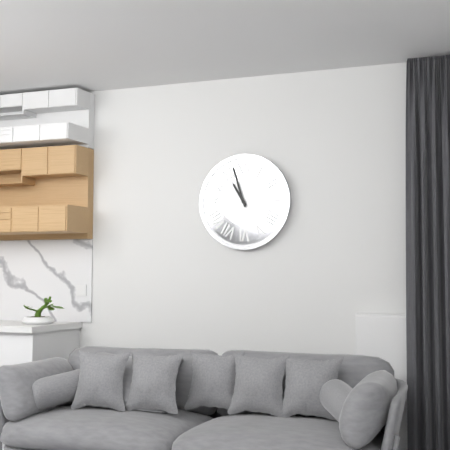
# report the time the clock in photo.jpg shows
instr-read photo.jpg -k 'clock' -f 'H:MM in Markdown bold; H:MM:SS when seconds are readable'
**10:57**
